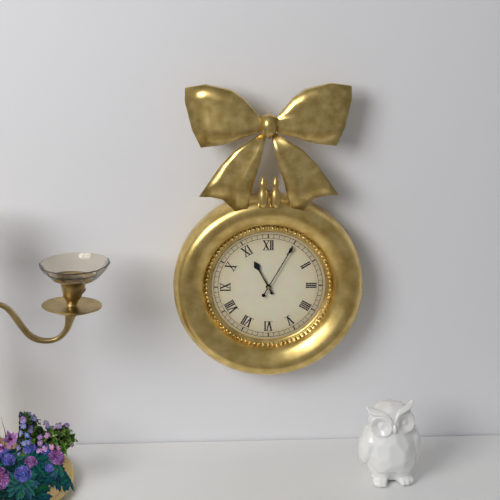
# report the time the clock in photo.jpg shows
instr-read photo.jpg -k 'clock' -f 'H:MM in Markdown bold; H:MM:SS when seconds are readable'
**11:05**
